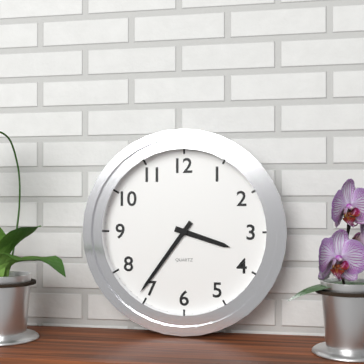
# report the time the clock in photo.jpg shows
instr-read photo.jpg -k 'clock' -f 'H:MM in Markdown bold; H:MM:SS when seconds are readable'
**3:36**
